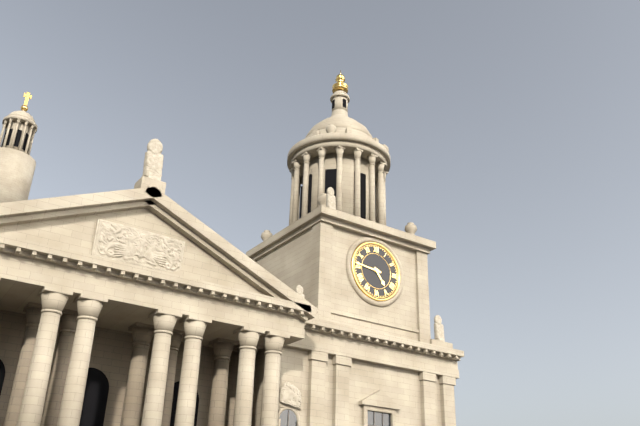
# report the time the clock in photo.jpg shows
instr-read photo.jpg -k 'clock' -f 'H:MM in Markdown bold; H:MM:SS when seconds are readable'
**4:46**
